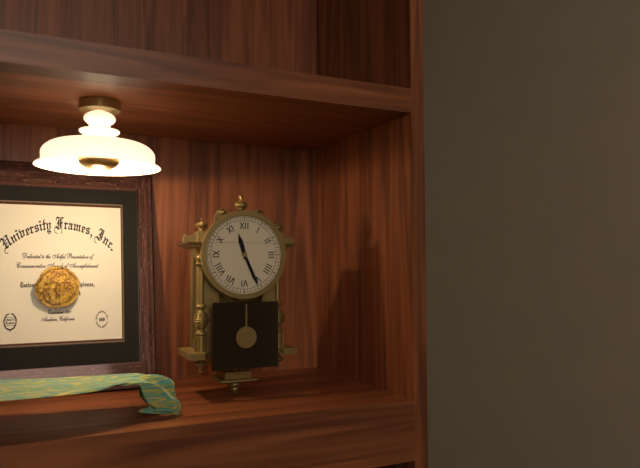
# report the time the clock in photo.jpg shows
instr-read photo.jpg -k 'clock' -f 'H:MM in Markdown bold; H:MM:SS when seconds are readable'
**11:26**
